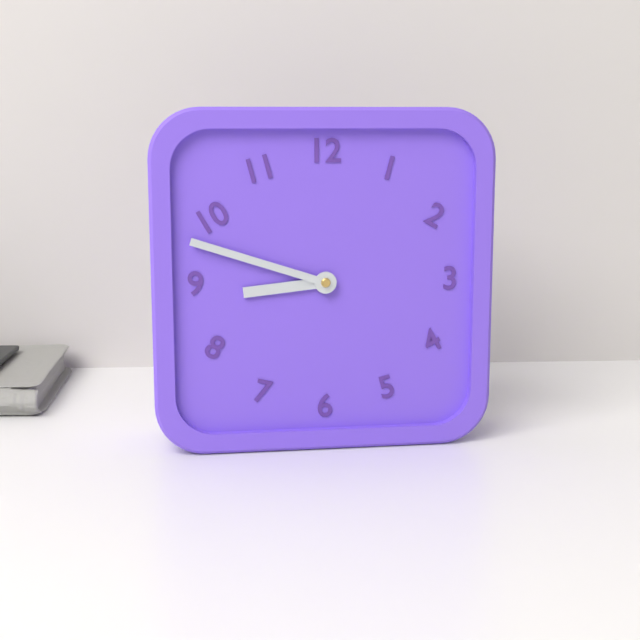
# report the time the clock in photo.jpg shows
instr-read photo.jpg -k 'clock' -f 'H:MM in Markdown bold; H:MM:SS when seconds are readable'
**8:48**
